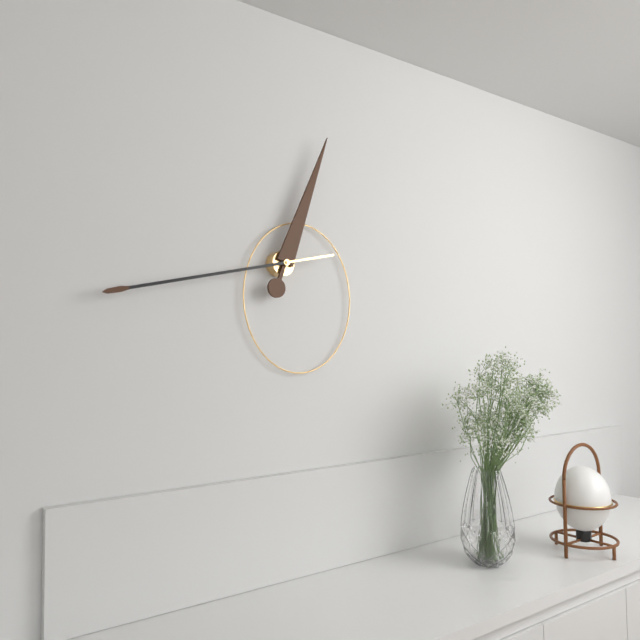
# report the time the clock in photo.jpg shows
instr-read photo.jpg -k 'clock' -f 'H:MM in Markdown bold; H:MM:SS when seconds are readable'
**12:43**
